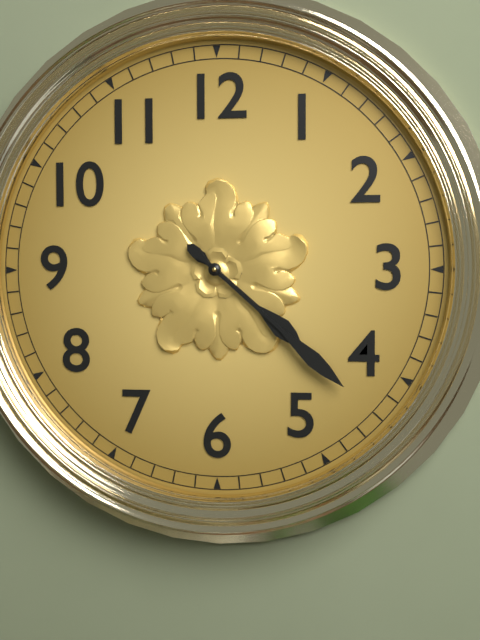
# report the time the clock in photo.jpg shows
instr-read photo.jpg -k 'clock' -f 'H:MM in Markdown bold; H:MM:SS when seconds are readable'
**4:22**
